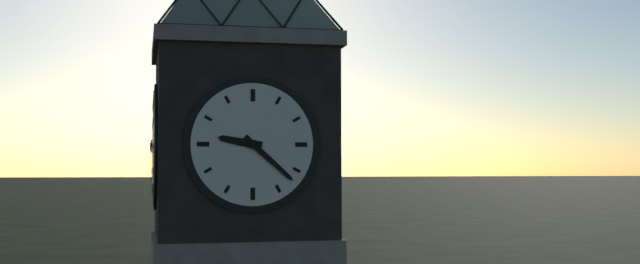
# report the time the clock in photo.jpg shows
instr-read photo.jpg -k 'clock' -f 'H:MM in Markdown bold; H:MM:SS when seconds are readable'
**9:22**
